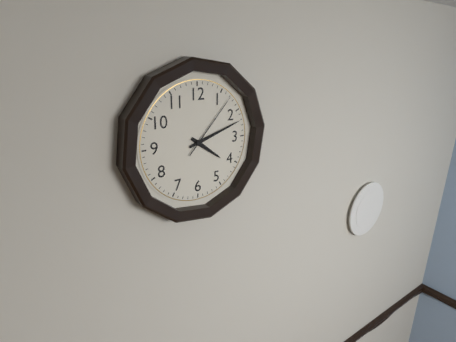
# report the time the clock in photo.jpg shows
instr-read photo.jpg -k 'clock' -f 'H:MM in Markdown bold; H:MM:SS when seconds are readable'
**4:12:07**
